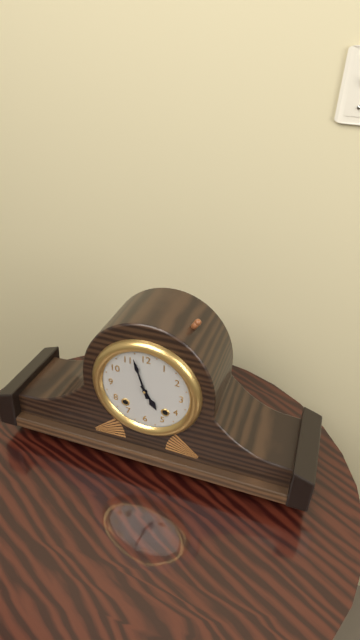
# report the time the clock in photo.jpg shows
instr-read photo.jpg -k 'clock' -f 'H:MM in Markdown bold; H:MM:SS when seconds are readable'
**4:57**
